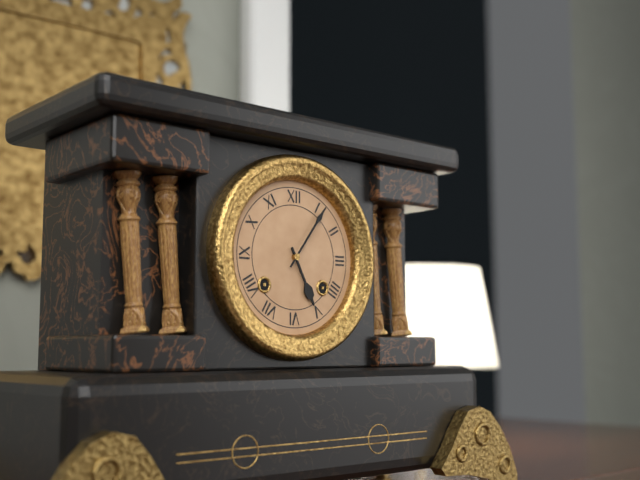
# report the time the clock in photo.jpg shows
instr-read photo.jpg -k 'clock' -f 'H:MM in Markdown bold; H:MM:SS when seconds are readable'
**5:06**
